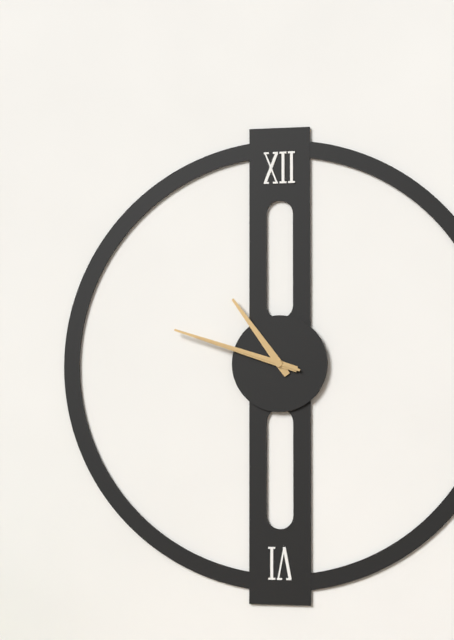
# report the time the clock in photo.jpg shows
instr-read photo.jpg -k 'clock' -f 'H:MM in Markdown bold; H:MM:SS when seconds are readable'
**10:48:48**
